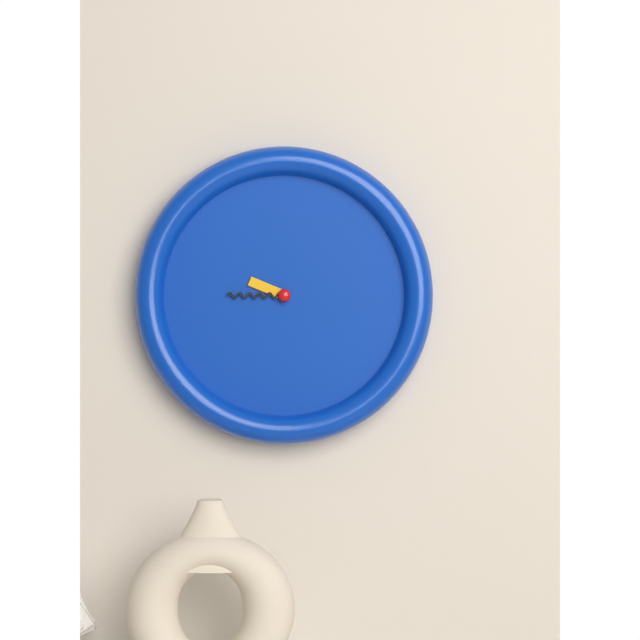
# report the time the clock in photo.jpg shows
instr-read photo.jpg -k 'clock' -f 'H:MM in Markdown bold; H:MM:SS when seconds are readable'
**9:45**
